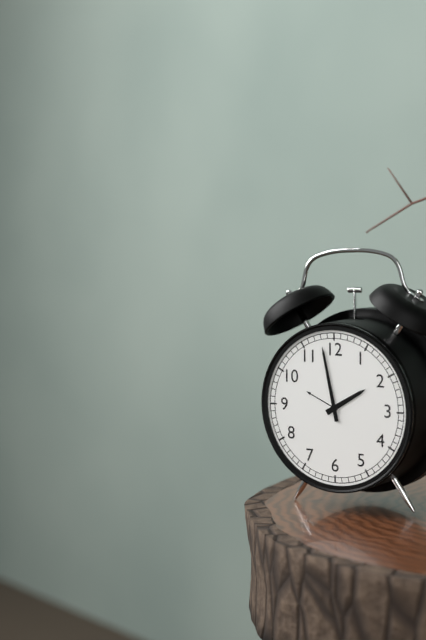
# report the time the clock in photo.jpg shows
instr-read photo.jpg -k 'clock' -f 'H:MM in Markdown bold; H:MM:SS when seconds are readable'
**1:58**
